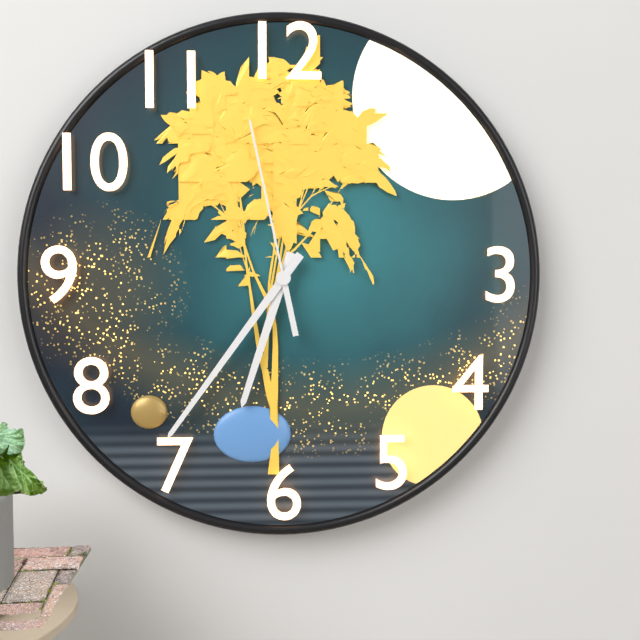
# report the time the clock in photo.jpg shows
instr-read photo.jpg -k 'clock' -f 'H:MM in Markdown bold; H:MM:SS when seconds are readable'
**6:36:58**
